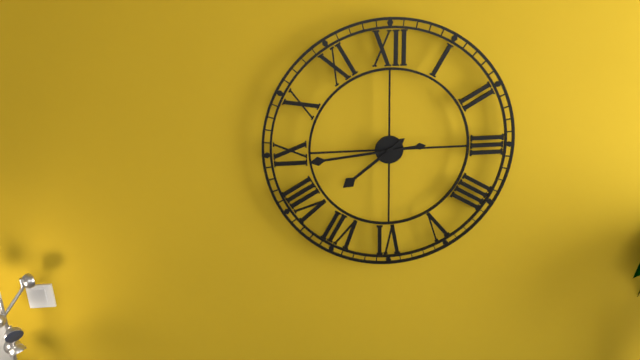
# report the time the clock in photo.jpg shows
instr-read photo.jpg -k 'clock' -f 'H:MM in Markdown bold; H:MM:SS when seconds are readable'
**7:44**
